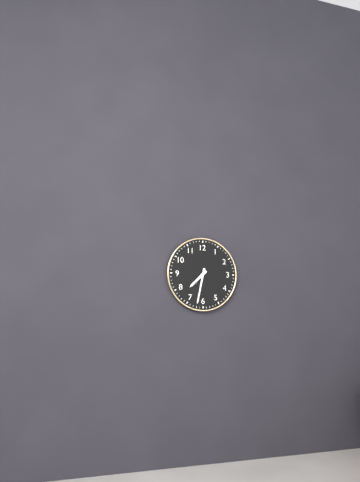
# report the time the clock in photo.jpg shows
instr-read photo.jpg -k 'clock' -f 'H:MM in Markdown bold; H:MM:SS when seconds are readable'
**7:32**
